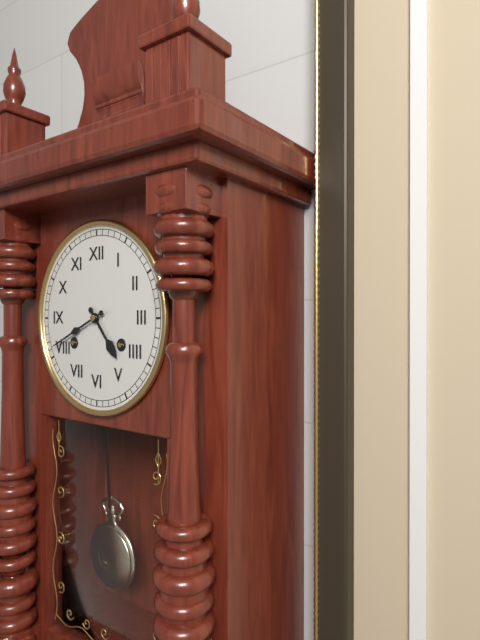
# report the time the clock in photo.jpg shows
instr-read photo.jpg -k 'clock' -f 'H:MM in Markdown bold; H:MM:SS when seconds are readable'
**4:41**
